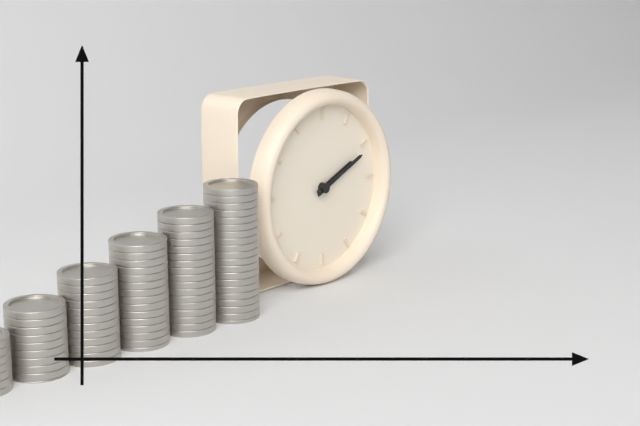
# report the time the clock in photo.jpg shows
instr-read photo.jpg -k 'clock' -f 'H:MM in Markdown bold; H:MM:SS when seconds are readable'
**2:11**
